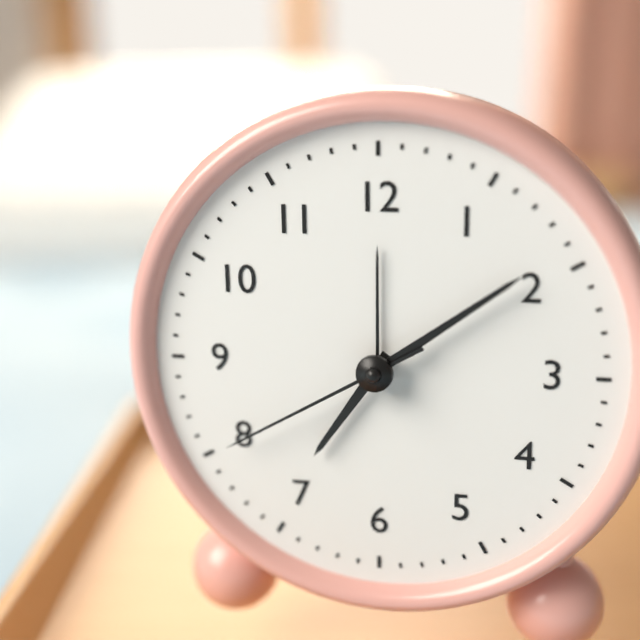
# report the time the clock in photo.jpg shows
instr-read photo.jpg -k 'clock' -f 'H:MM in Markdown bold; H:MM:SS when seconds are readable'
**7:09:40**
